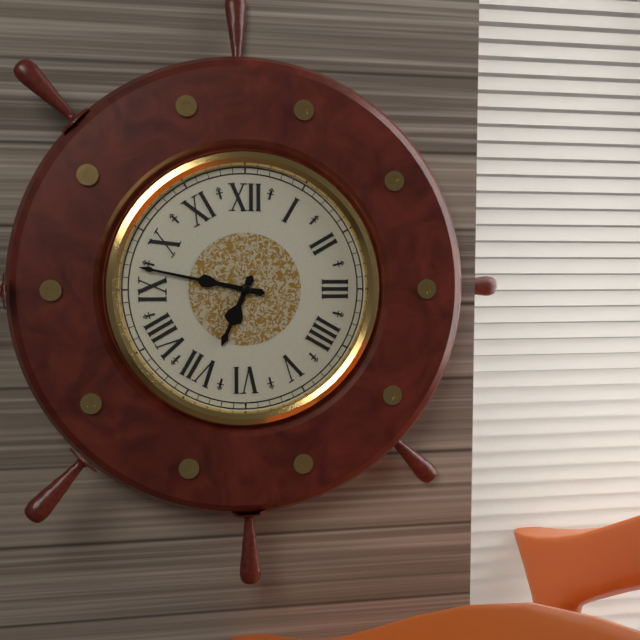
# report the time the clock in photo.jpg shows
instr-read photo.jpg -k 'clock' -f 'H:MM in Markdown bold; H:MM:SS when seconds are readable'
**6:47**
